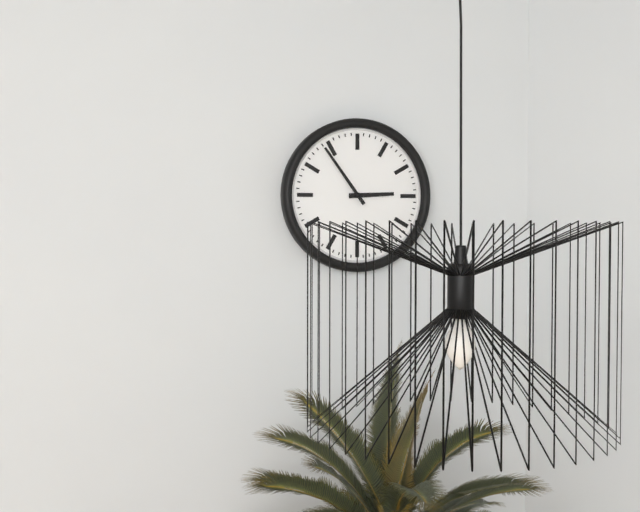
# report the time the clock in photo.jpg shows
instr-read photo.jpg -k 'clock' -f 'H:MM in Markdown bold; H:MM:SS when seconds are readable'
**2:54**
